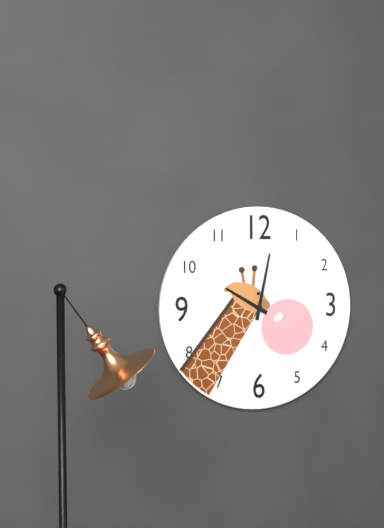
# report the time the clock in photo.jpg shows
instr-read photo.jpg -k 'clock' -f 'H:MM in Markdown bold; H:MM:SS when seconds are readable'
**10:02**
